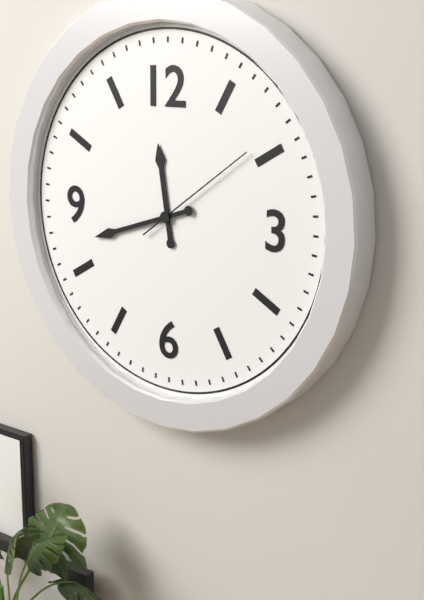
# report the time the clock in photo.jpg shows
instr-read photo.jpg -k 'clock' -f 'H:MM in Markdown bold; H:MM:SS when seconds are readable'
**11:42:09**
